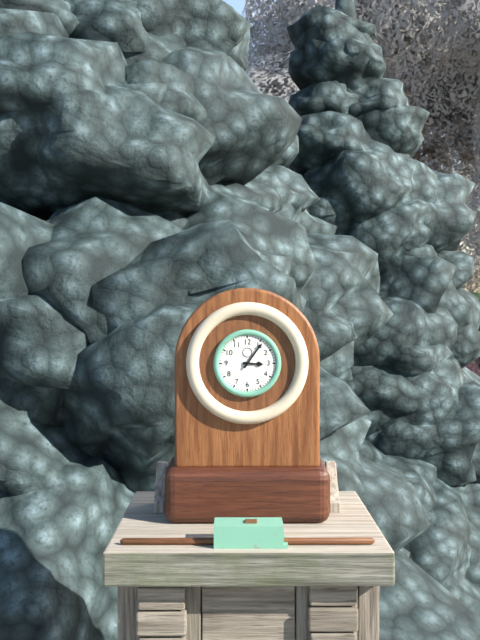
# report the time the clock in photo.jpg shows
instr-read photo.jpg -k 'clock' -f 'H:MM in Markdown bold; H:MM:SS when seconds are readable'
**3:06**
